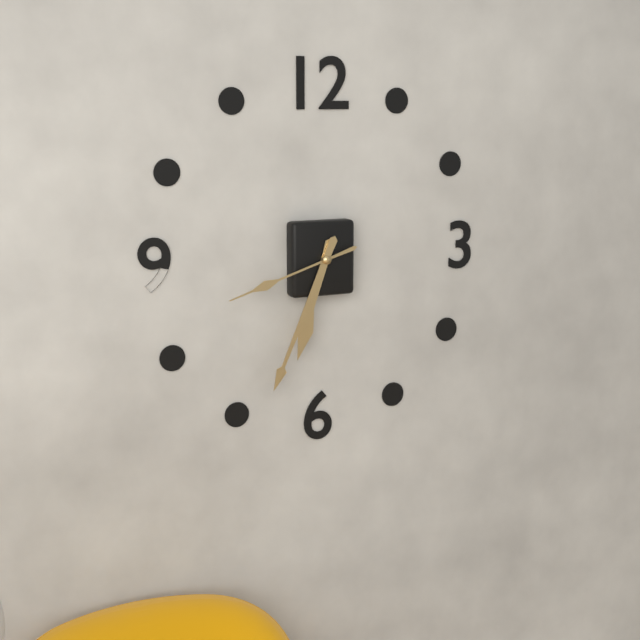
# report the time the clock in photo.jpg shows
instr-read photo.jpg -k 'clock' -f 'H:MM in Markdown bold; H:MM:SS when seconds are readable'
**6:34:42**
